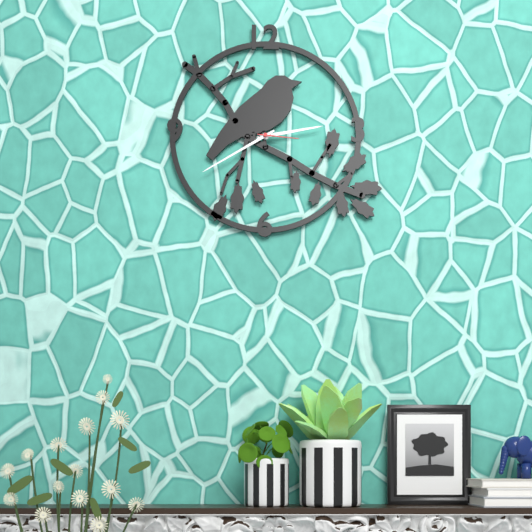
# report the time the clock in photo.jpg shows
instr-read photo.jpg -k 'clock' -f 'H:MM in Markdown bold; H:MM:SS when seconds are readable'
**2:40**
